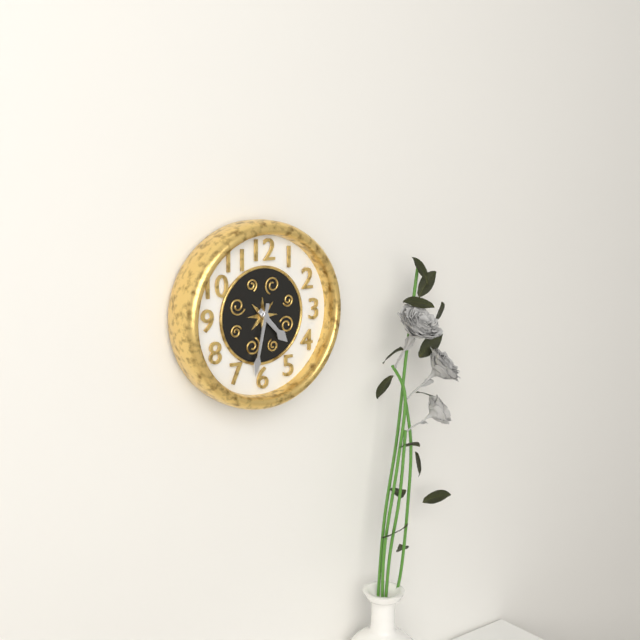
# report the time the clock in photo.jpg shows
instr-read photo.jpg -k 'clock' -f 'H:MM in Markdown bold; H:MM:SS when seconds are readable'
**4:32**
